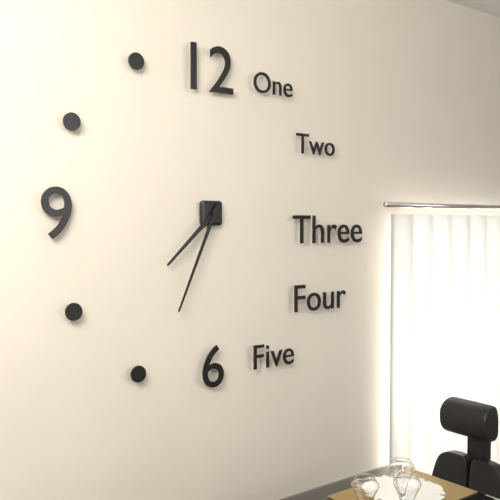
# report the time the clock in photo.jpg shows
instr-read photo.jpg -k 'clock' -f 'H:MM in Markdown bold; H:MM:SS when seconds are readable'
**7:34**
